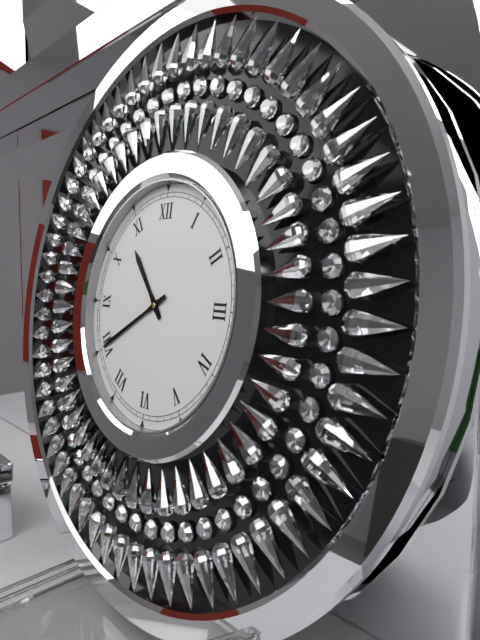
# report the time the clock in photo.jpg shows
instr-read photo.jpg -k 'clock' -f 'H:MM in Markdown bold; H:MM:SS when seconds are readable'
**10:40**
